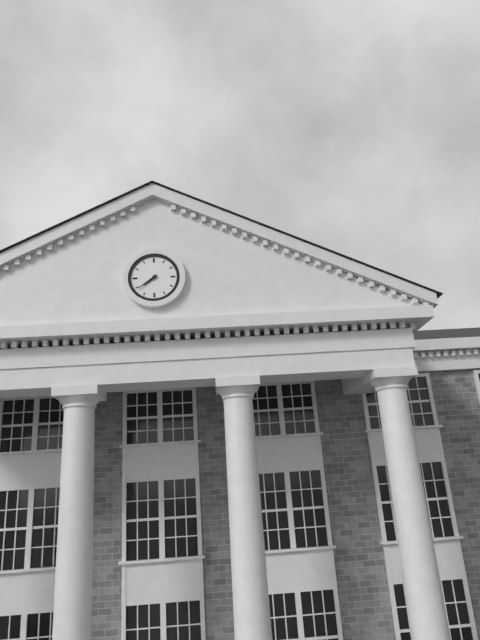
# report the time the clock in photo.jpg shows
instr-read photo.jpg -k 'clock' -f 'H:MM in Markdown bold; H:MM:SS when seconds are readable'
**7:39**
